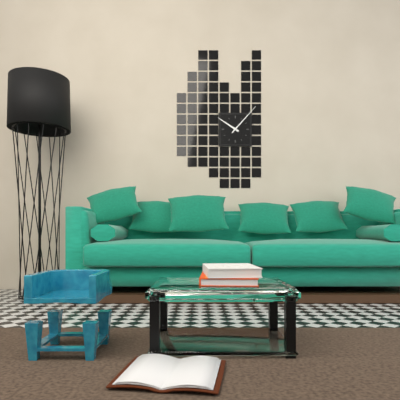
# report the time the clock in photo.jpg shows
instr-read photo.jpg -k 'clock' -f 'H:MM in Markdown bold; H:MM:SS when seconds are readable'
**10:07**
